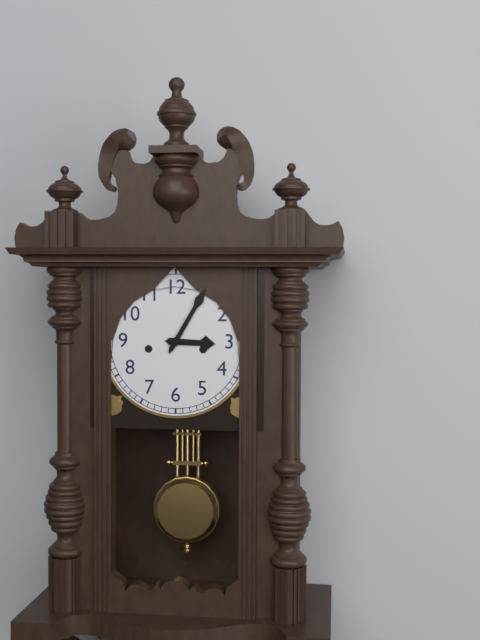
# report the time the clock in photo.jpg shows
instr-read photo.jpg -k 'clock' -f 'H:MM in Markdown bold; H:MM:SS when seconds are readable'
**3:05**
